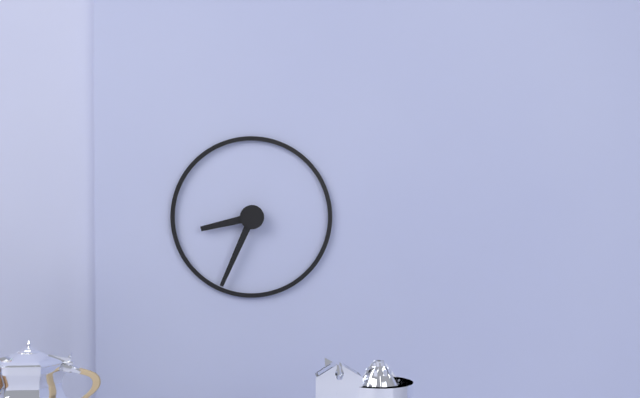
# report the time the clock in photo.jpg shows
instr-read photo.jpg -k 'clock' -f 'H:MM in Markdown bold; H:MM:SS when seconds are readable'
**8:34**
